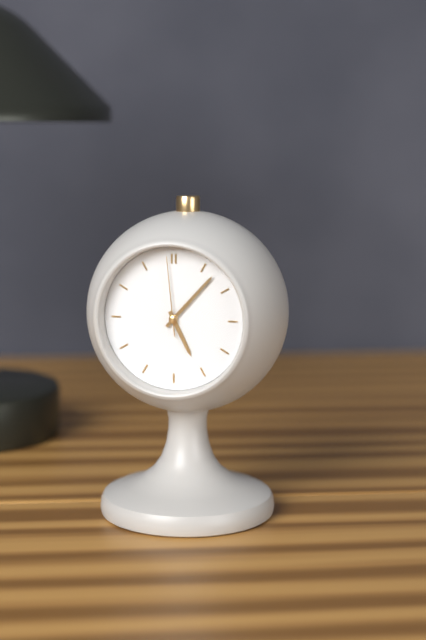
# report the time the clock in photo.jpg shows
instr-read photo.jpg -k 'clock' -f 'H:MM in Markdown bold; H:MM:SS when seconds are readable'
**5:07:59**
